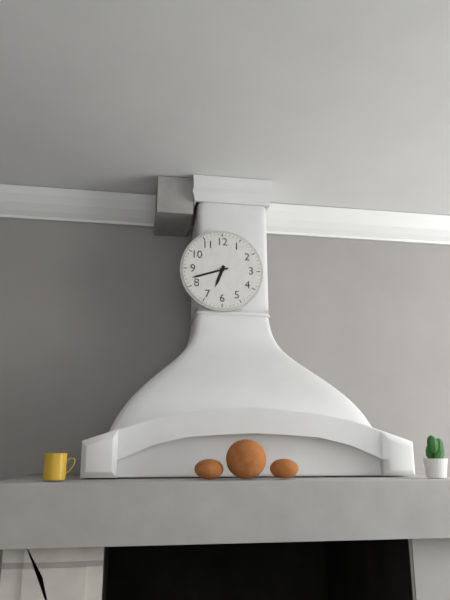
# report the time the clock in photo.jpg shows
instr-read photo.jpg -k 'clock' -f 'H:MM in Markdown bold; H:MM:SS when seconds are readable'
**6:42**
